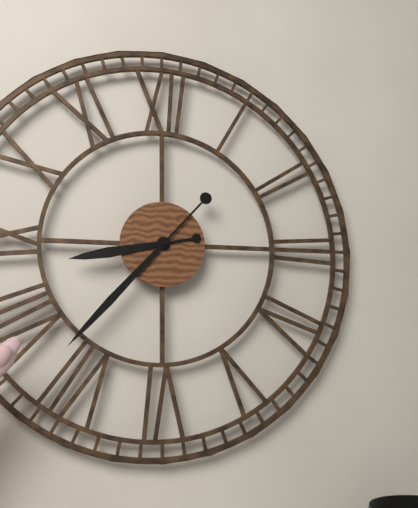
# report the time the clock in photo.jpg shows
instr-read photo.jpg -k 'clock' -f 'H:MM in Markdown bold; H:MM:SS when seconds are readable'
**8:37**
